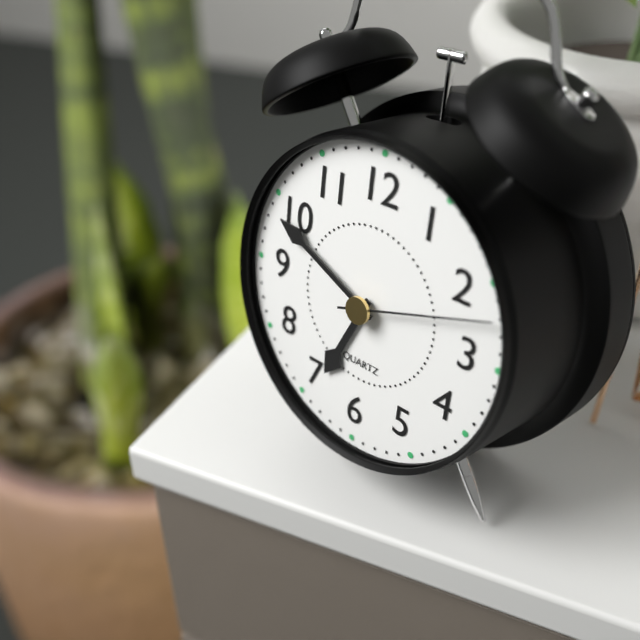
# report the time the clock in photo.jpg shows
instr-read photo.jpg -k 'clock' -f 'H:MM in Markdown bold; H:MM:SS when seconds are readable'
**6:49:12**
